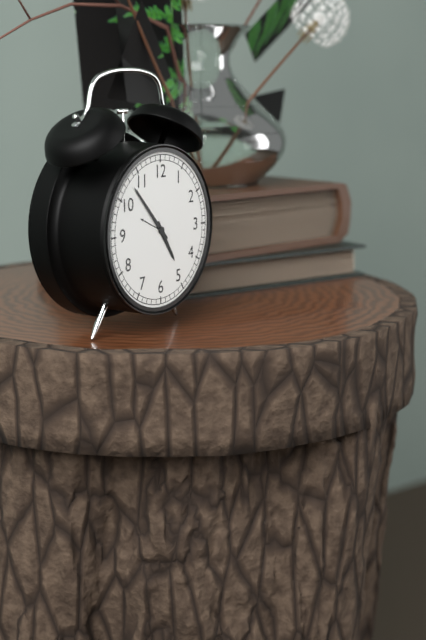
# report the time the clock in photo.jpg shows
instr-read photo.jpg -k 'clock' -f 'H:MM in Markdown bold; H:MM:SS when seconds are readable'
**4:53**
